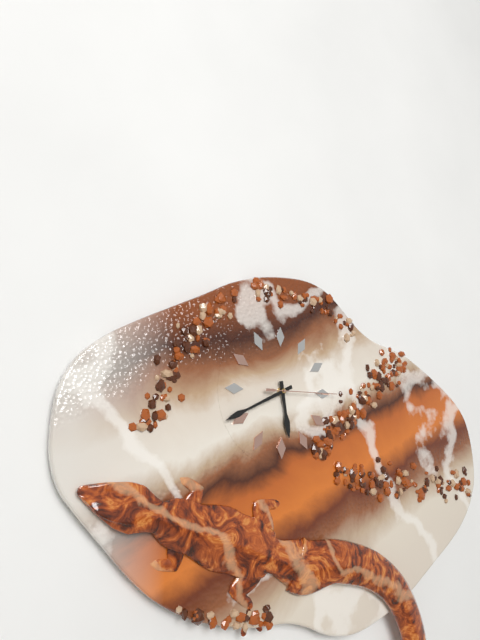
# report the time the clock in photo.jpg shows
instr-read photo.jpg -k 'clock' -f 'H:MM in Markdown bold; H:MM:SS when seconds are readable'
**5:41:15**
